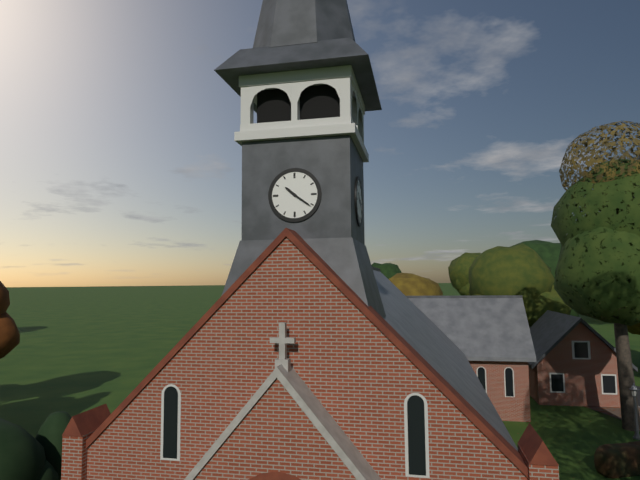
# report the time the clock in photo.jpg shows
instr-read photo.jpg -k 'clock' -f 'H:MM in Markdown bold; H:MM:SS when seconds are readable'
**10:21**
